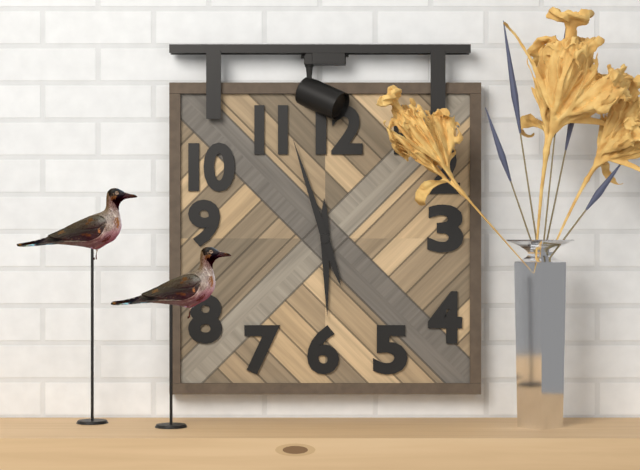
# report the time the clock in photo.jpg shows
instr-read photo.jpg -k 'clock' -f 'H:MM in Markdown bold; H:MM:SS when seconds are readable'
**5:57**
